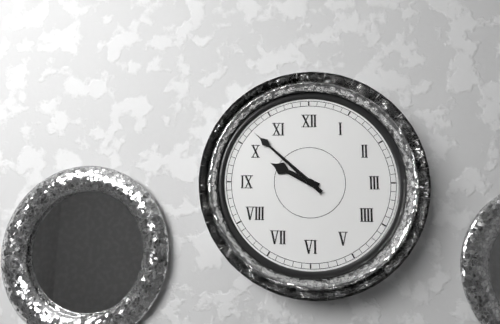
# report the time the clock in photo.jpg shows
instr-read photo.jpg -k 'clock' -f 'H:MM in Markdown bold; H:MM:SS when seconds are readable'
**9:52**
